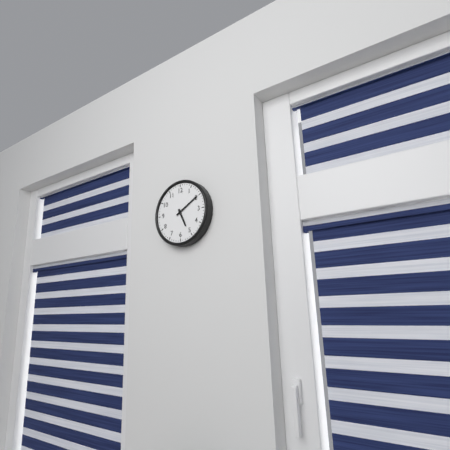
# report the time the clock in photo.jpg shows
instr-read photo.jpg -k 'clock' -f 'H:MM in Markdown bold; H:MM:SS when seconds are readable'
**5:10**
